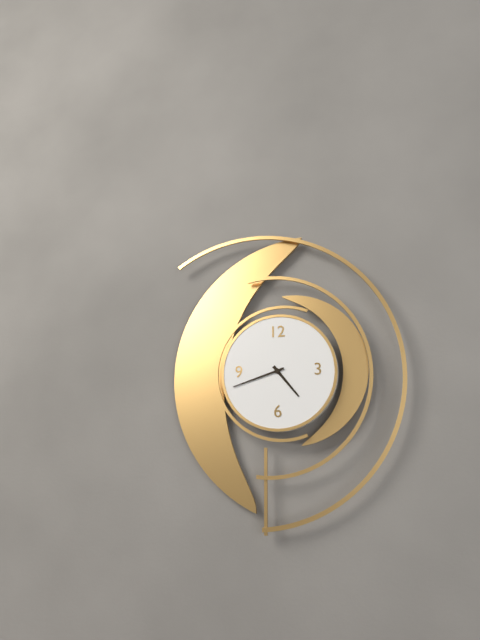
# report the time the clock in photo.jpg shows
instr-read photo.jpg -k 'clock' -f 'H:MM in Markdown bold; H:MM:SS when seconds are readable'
**4:42**
